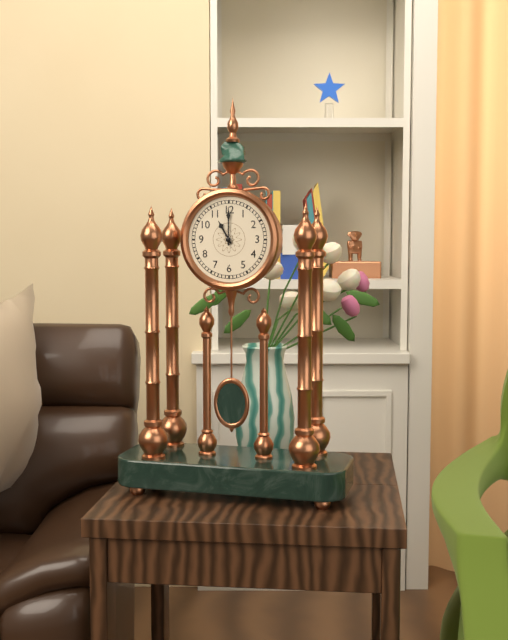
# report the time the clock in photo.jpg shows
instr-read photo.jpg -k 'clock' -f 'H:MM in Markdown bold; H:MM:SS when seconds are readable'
**11:00**
